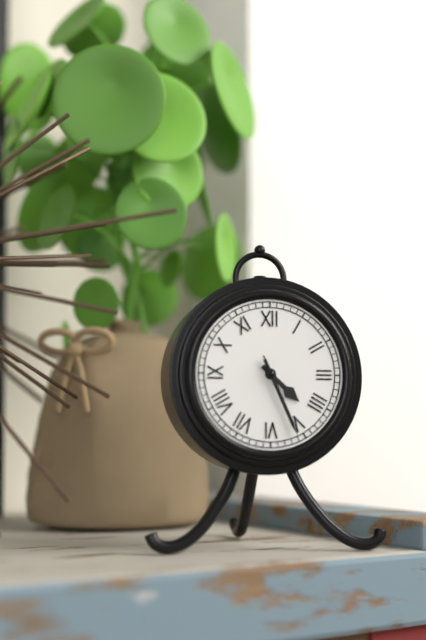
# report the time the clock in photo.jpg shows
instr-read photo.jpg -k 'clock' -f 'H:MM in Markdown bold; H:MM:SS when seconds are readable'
**4:26:26**
